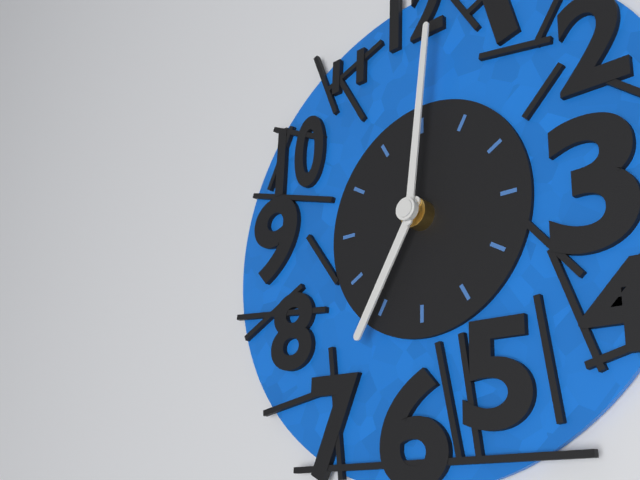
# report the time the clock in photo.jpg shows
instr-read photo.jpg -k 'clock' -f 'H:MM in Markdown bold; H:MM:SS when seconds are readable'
**7:01**
